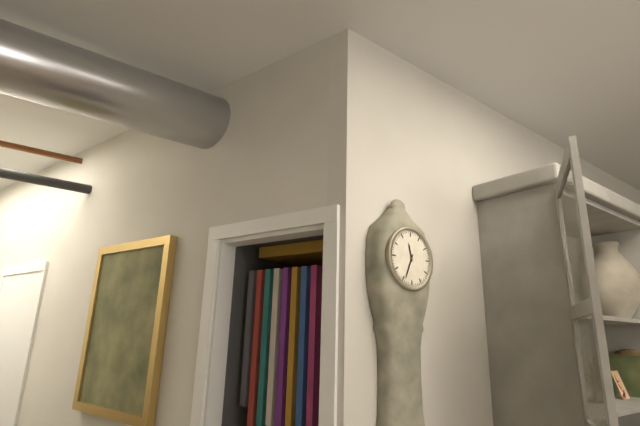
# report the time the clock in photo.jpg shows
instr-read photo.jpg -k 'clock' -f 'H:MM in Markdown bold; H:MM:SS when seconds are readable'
**11:34**
